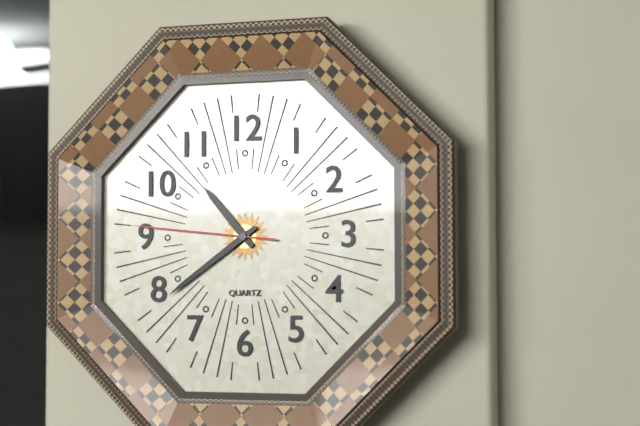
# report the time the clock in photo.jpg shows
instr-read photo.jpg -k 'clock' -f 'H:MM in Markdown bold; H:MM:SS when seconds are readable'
**10:39:46**
